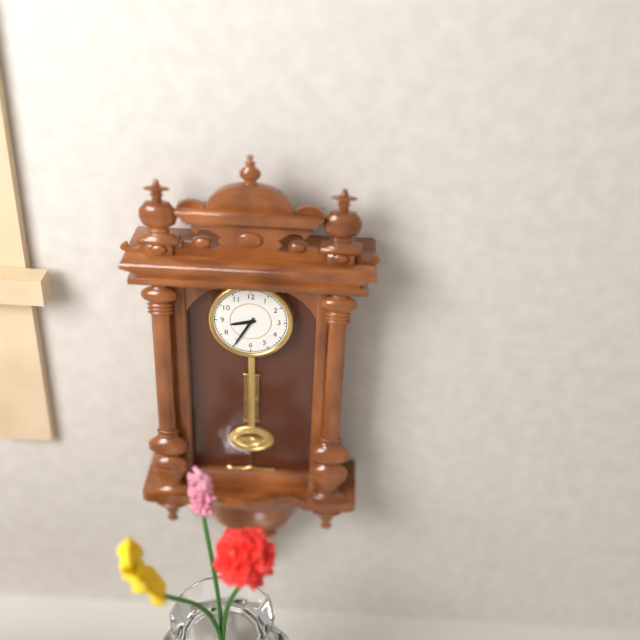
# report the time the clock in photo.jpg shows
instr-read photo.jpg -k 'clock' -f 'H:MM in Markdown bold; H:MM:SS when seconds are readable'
**8:35**
